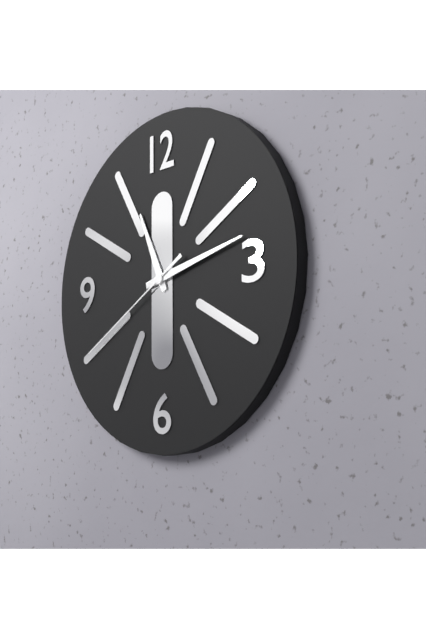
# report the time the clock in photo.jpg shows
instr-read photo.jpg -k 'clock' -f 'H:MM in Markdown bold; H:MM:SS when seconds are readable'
**11:13:40**
